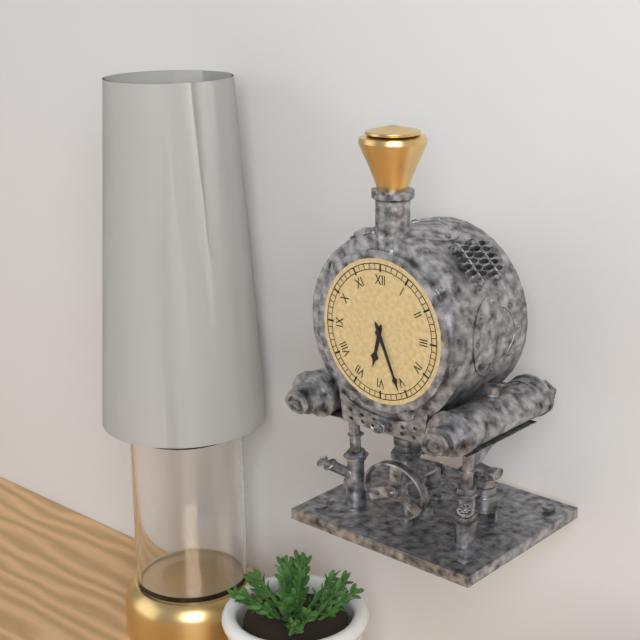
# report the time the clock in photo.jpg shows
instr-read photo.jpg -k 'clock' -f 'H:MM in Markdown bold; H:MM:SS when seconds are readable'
**6:26**
